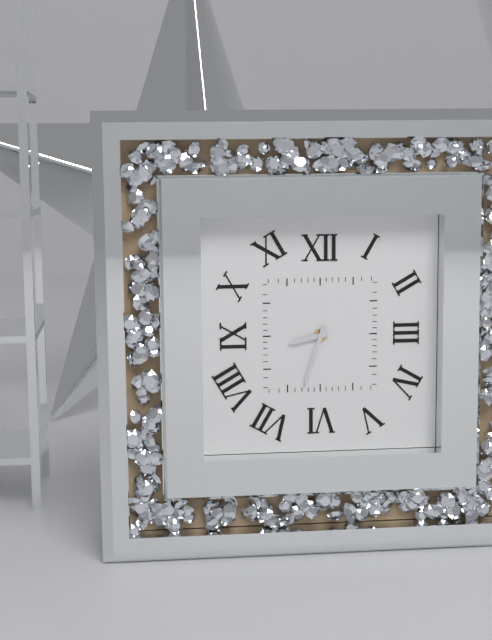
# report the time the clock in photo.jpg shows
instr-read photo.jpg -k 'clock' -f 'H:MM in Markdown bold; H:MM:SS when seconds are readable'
**8:33**
